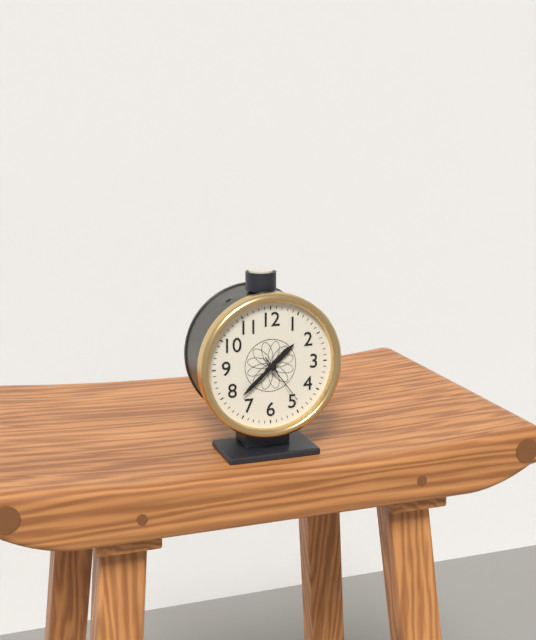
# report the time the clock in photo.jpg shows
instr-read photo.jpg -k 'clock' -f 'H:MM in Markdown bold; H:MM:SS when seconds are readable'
**1:38:24**
